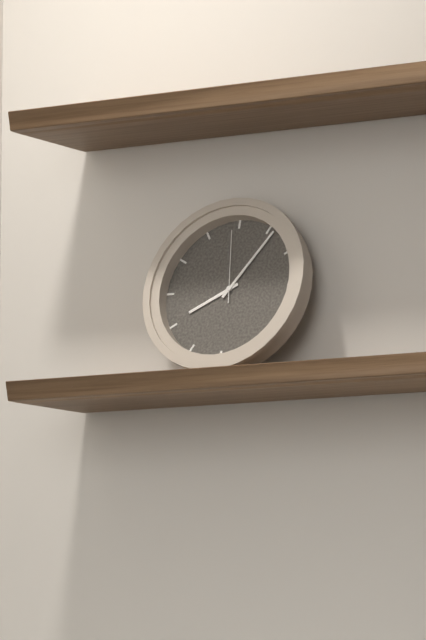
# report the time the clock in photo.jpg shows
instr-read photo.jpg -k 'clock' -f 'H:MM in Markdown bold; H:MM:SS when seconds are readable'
**8:06:59**
